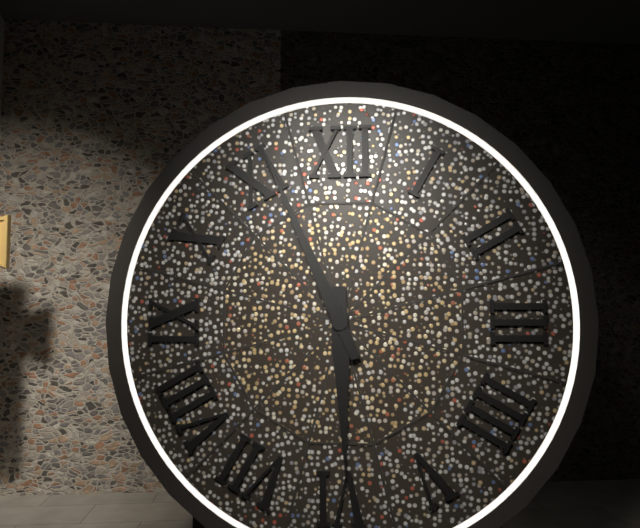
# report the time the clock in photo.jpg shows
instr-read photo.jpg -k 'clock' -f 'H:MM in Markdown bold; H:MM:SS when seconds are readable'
**5:56**
